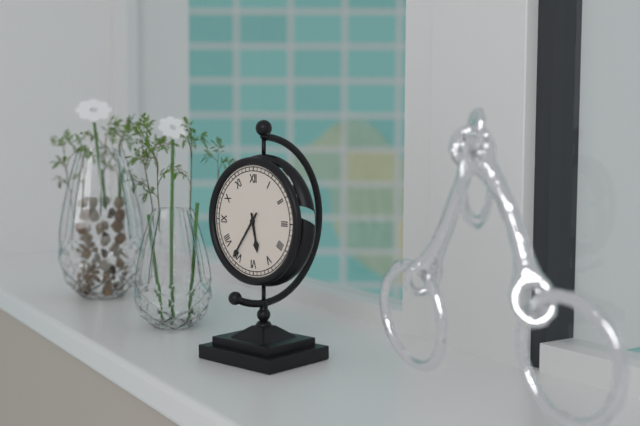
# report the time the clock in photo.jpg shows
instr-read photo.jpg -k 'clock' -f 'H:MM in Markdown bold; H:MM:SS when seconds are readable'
**5:36**
